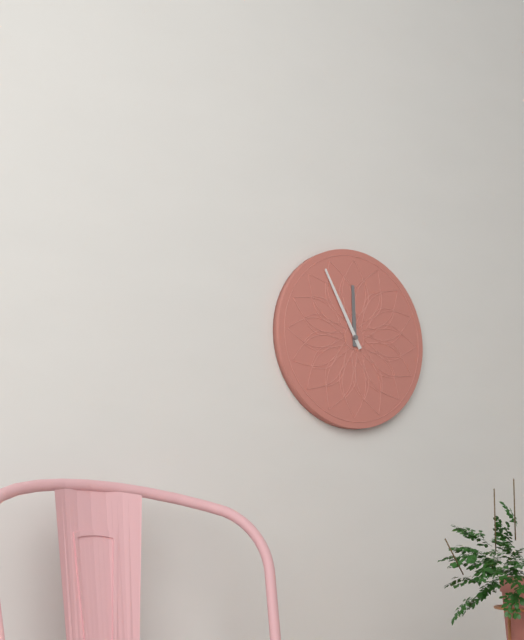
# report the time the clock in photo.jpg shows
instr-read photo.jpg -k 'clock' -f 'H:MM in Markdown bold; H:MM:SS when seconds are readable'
**11:55**
